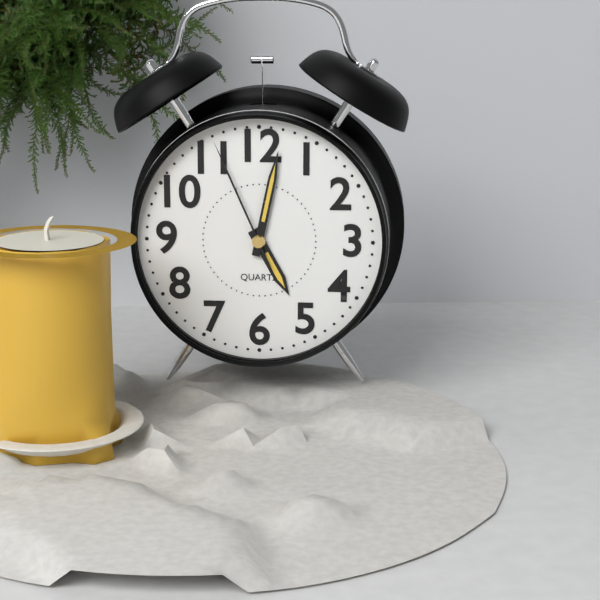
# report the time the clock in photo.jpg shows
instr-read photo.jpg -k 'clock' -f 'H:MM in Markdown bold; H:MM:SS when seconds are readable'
**5:02:56**
